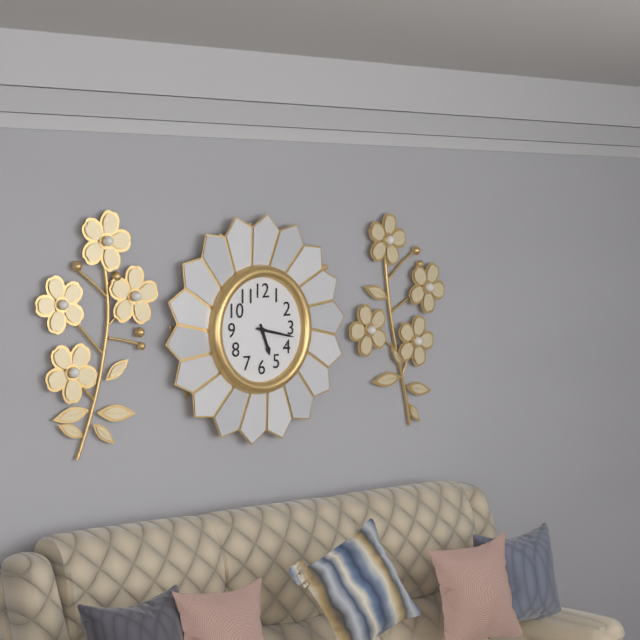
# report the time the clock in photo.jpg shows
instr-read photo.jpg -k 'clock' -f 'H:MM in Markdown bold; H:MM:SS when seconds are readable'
**5:17**
